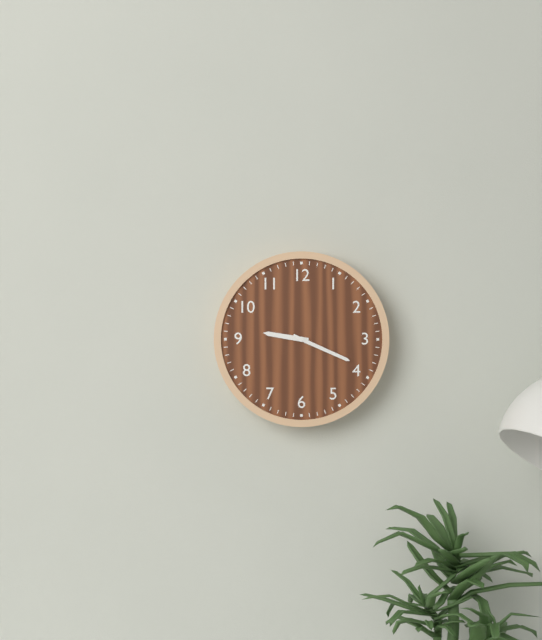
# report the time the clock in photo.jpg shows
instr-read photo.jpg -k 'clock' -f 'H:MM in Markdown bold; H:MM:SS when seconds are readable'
**9:19**
